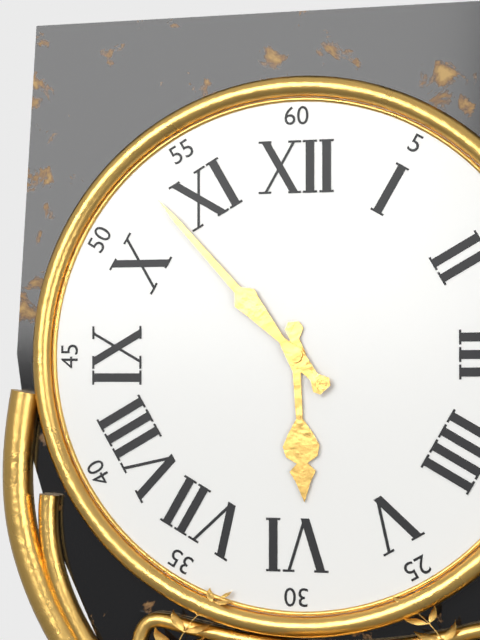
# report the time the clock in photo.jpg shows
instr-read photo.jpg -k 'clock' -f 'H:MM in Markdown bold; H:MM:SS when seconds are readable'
**5:53**
